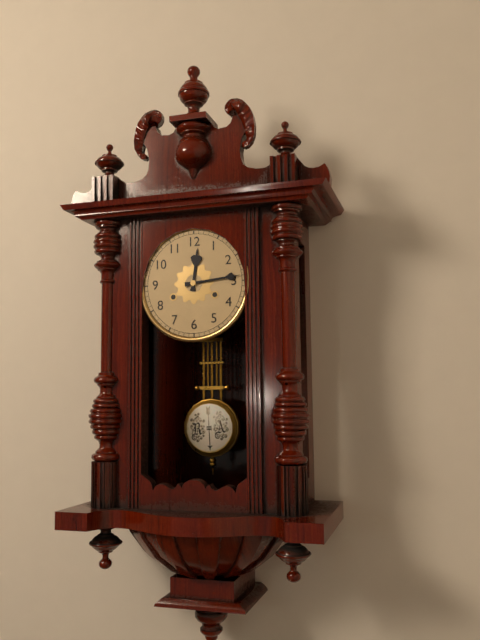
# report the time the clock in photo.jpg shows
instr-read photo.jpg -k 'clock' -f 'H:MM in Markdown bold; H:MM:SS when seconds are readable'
**12:14**
